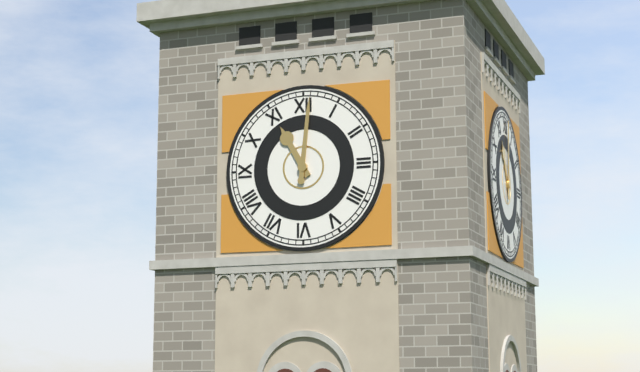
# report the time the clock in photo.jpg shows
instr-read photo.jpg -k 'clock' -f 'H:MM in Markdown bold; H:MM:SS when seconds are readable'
**11:01**
